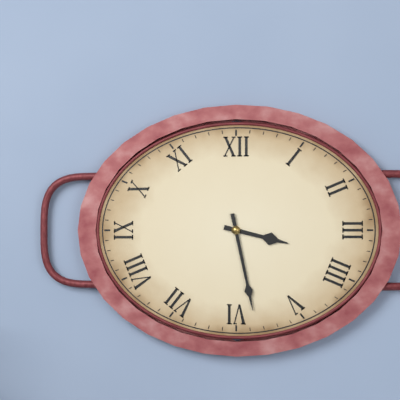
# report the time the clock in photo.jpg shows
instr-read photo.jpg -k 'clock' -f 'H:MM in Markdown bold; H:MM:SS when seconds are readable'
**3:28**
